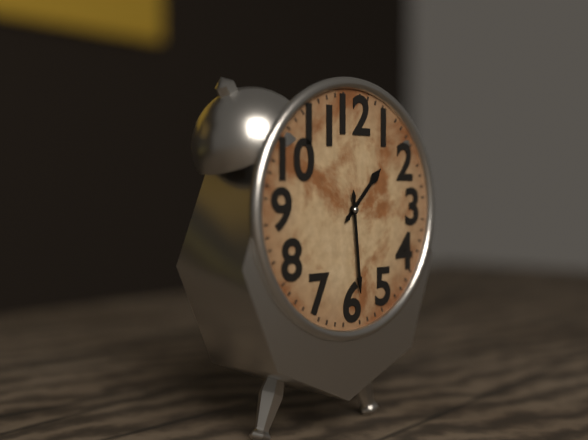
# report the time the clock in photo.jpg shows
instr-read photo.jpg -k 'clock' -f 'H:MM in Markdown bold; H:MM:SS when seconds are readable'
**1:29**
